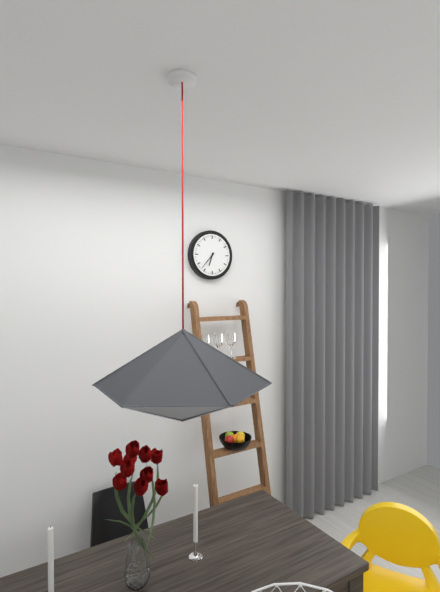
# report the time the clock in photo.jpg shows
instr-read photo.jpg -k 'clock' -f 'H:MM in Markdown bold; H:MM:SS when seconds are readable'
**6:37**
